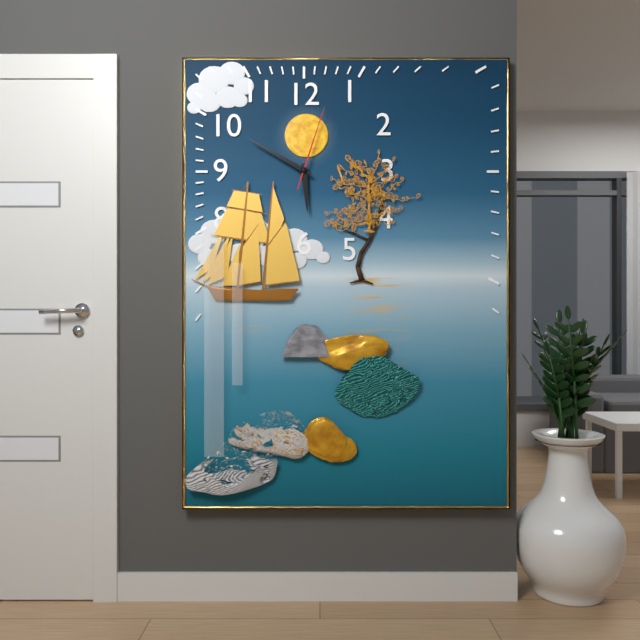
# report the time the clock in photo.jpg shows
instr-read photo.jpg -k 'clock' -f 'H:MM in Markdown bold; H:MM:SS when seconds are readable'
**5:50:03**
